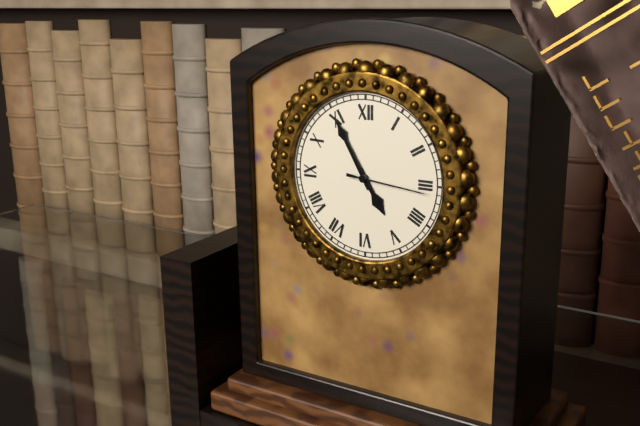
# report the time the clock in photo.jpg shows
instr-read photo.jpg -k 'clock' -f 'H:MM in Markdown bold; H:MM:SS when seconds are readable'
**4:55:16**
